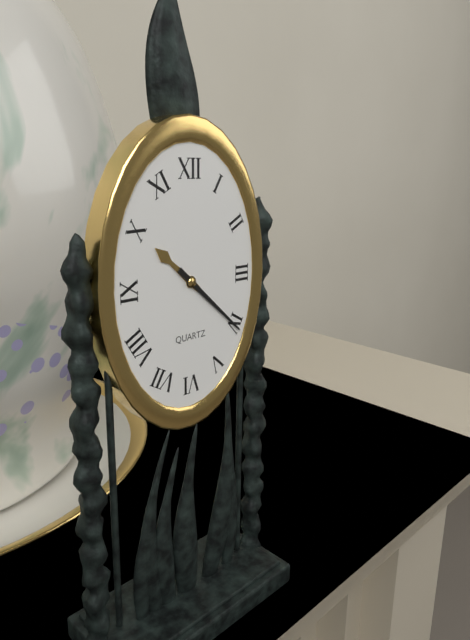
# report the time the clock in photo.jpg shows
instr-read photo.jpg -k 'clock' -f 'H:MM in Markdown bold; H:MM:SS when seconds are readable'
**10:22**
